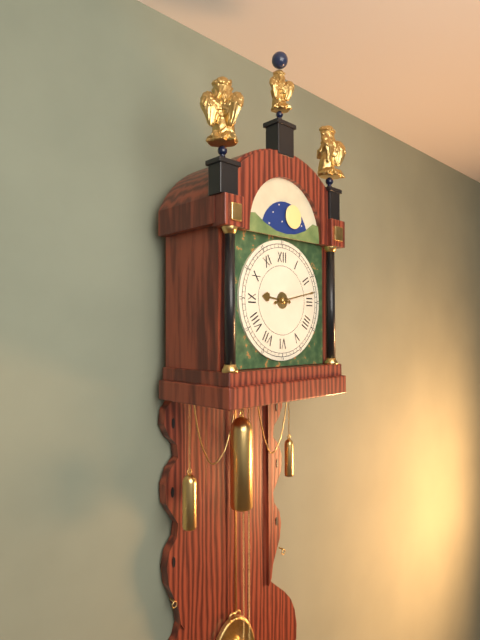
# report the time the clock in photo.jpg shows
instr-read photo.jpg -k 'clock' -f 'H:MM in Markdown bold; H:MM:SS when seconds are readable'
**9:13**
